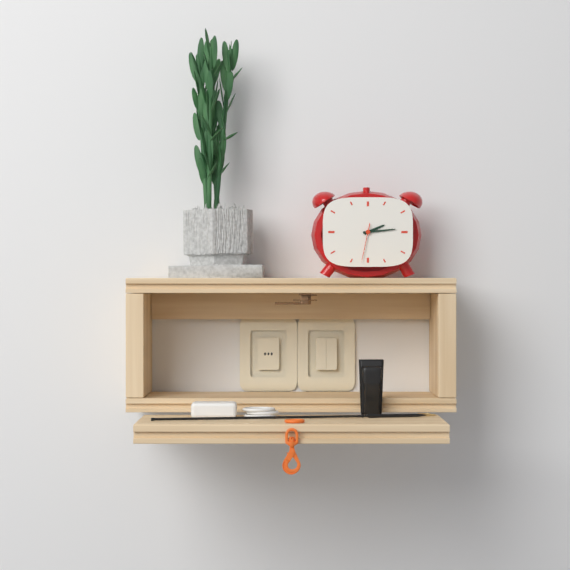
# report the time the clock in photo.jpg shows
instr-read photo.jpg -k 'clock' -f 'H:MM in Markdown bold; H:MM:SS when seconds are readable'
**2:14**
